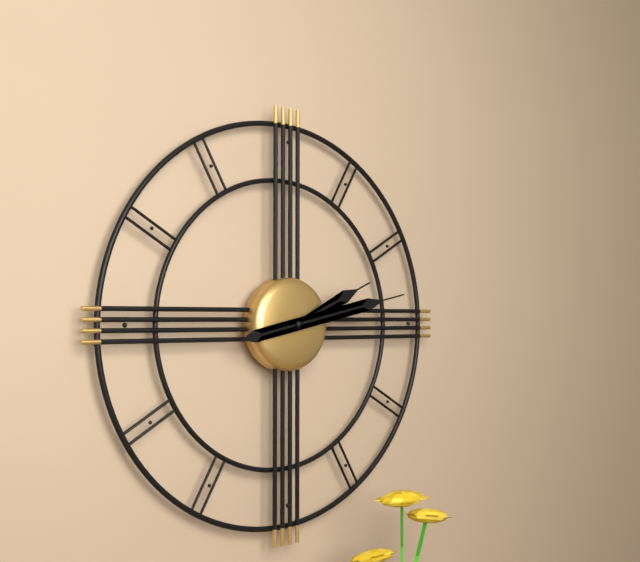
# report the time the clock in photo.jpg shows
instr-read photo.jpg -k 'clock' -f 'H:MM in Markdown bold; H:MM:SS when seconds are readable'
**2:13**
